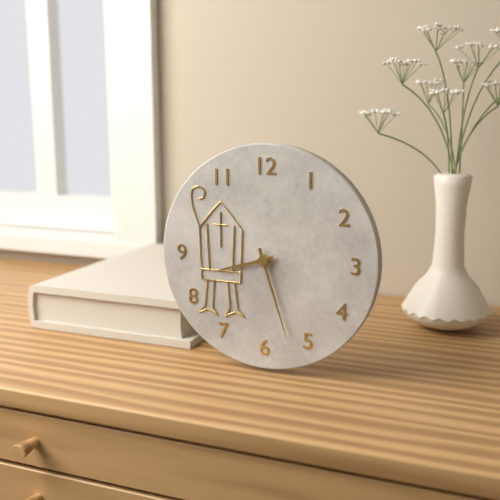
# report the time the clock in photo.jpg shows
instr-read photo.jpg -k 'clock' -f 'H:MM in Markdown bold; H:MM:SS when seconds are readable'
**8:27**
